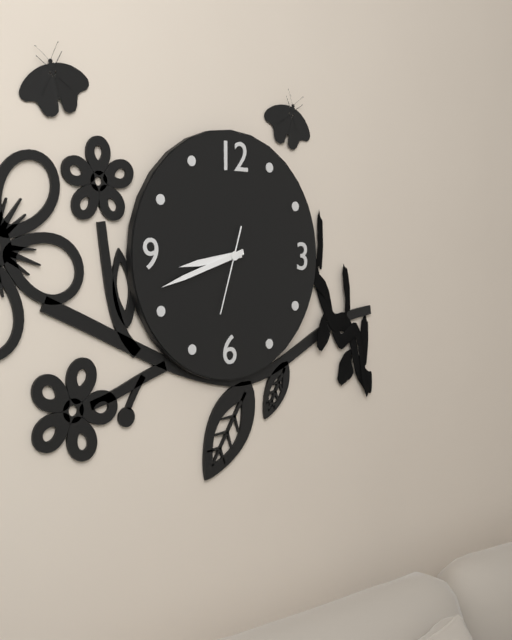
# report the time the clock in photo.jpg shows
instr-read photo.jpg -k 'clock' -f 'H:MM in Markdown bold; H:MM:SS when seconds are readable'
**8:42:33**
